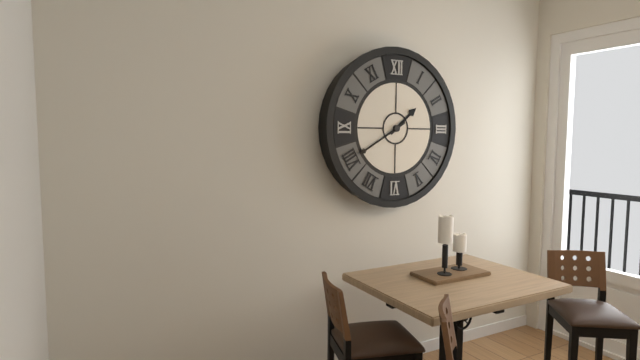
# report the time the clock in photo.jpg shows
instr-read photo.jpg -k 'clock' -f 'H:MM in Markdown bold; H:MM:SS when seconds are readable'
**1:40**
